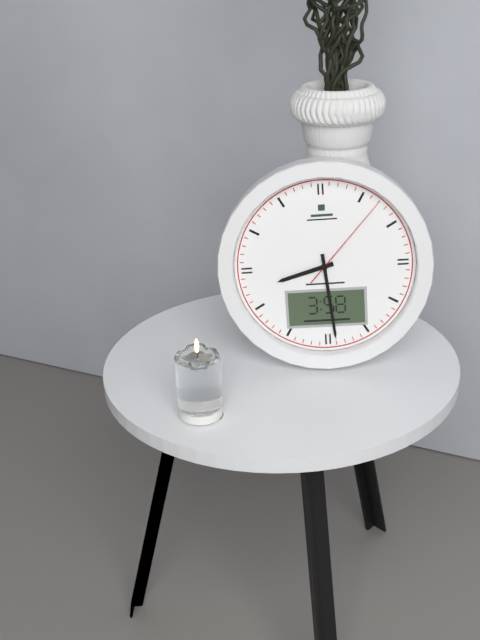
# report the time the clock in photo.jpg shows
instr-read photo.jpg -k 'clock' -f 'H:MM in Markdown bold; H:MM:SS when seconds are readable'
**8:29:07**
